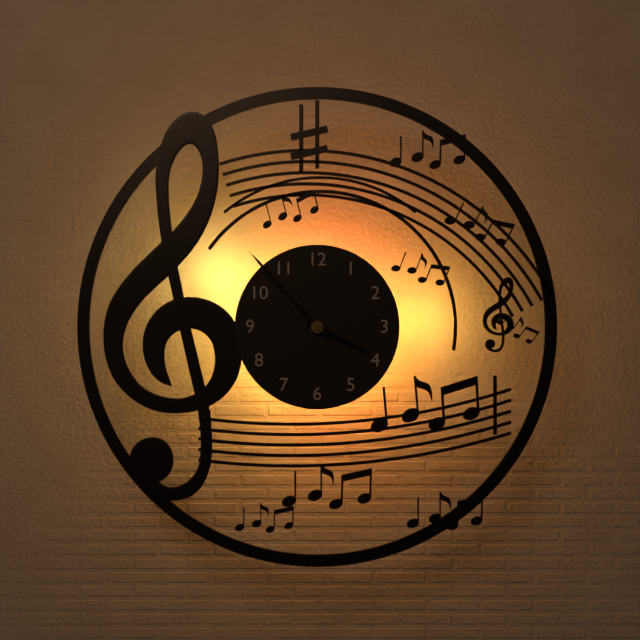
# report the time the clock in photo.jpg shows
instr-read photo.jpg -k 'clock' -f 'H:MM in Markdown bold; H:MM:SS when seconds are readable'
**3:53**
